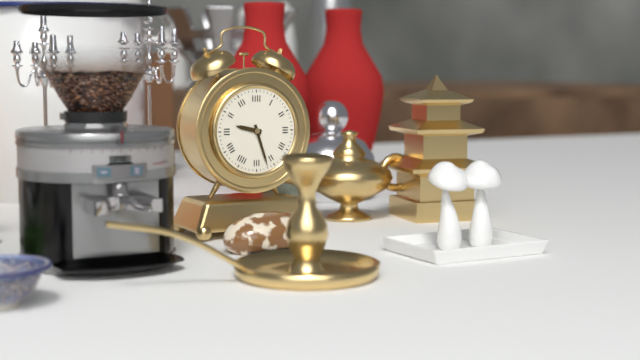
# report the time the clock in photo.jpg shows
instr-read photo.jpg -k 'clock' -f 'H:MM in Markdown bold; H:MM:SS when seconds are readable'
**9:27**
